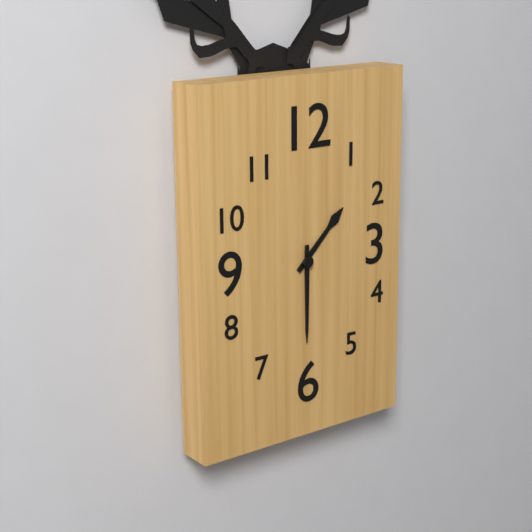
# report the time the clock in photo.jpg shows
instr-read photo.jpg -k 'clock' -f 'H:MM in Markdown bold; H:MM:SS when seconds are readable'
**1:30**
